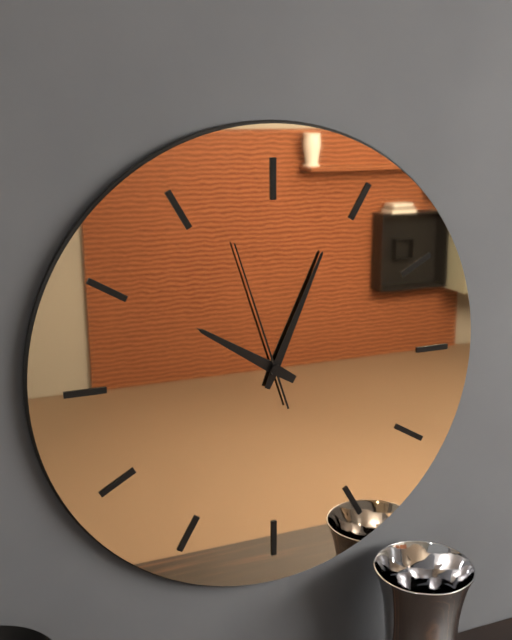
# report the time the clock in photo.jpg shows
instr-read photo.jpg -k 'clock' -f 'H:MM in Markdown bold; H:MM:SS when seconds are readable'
**10:04:57**
